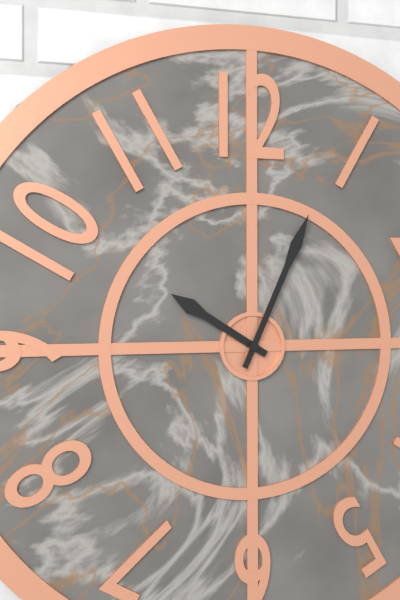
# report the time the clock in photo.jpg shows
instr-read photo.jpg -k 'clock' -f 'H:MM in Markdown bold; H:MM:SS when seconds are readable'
**10:04**
